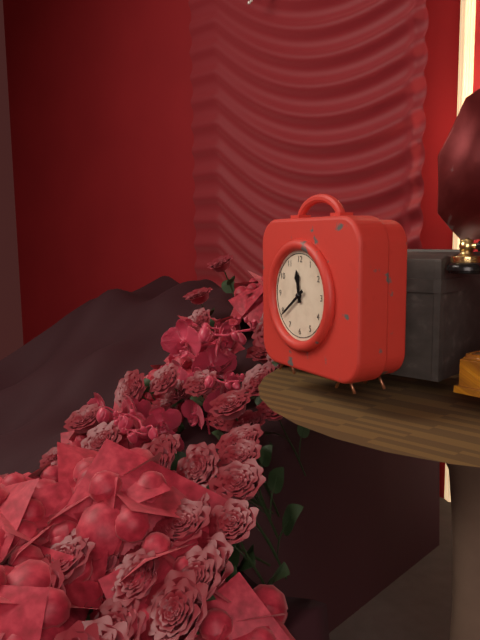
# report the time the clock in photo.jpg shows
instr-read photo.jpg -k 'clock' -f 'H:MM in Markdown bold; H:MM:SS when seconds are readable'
**11:39**
